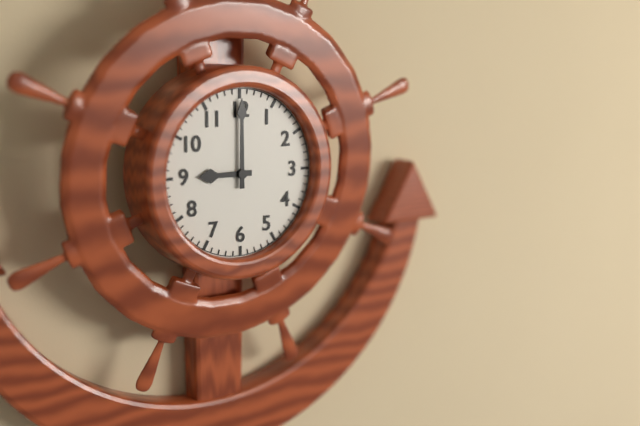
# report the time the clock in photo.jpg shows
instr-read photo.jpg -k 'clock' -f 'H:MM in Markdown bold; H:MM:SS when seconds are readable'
**9:00**
